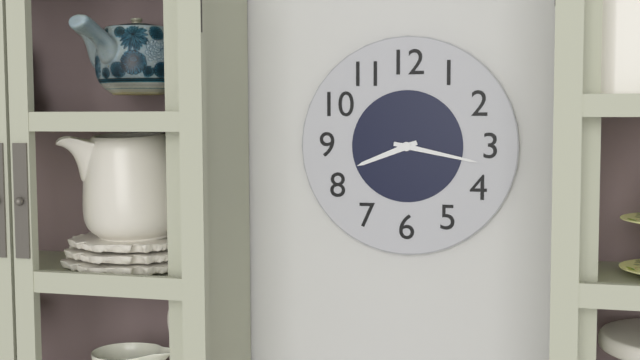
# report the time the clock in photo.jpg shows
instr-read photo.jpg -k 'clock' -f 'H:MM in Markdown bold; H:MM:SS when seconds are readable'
**8:17**
